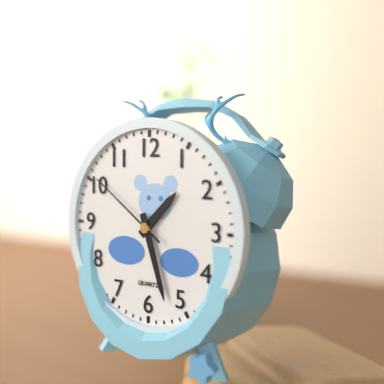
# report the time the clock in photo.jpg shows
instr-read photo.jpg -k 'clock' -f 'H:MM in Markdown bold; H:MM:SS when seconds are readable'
**1:27:51**
